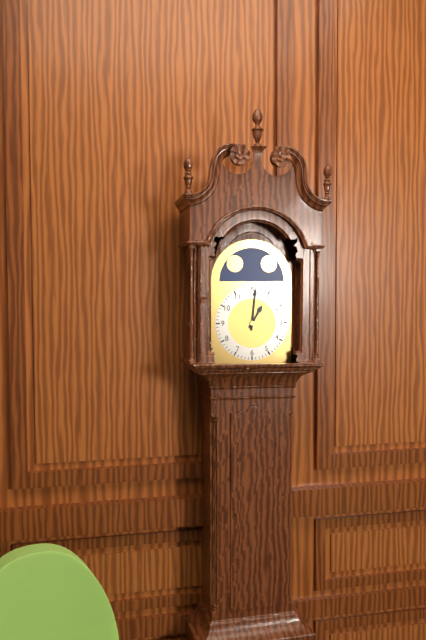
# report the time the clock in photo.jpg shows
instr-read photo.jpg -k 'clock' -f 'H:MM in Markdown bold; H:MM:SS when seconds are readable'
**1:01**
